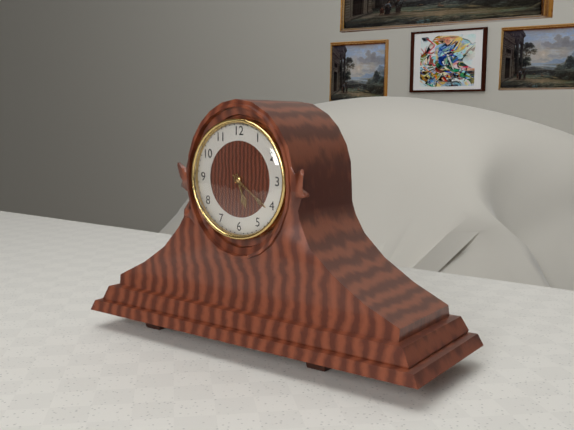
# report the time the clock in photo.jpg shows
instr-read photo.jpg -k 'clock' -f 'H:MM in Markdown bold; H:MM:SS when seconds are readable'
**5:21**
